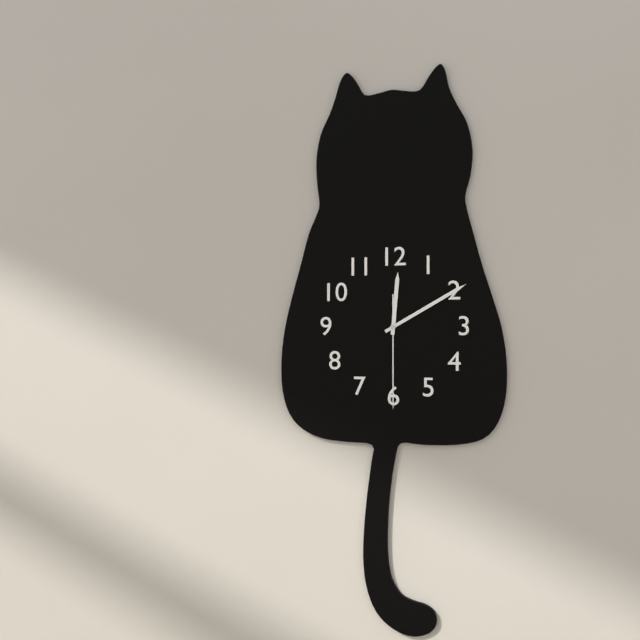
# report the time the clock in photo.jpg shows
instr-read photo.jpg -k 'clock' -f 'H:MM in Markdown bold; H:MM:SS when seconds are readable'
**12:10:30**
